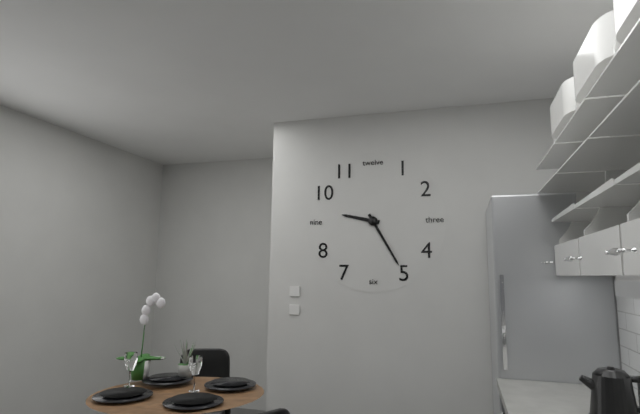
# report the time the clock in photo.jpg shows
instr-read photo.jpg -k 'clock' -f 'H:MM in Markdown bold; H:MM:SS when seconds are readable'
**9:25**
